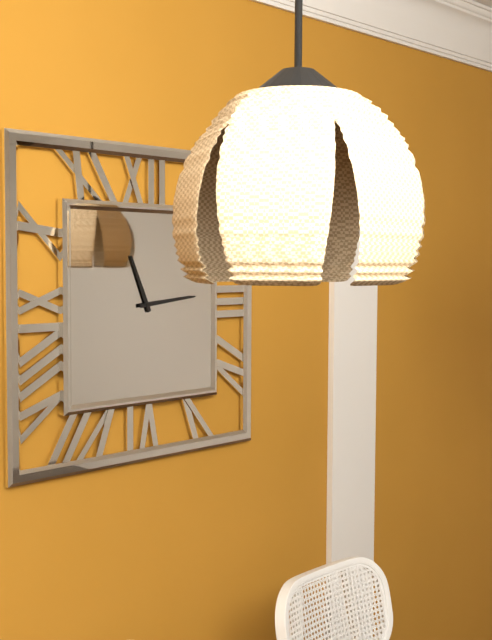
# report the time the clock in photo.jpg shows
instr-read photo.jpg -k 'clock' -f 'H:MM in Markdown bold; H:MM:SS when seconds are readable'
**11:14**
